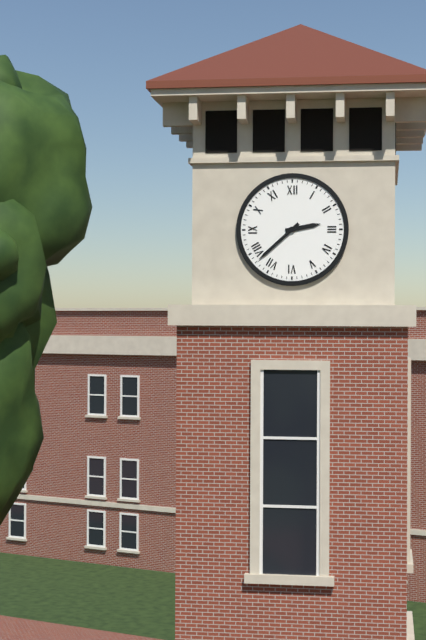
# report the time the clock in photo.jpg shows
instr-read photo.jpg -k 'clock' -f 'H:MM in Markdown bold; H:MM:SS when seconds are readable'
**2:38**
